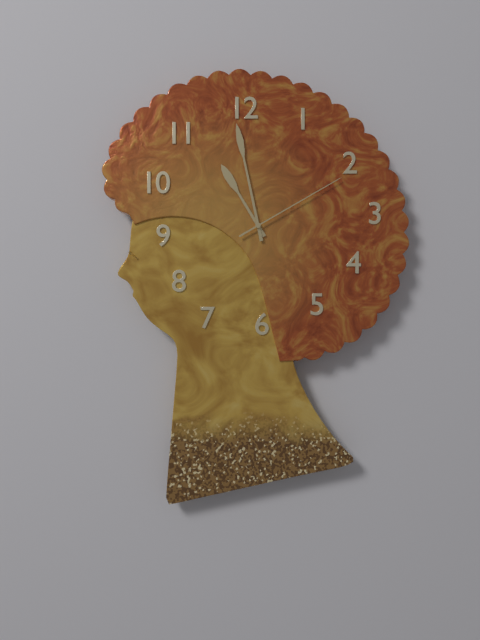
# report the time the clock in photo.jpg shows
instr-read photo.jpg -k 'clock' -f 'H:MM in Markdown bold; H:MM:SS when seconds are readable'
**10:58:10**
